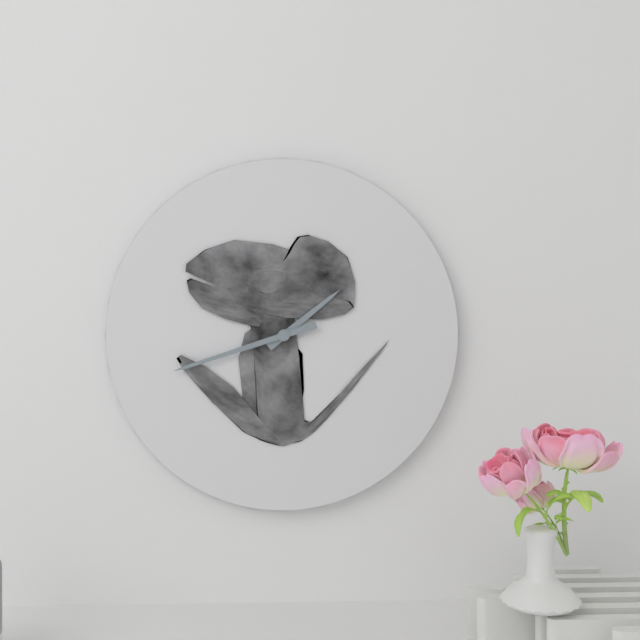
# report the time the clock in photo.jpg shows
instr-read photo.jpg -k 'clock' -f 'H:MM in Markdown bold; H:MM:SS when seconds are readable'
**1:42**
